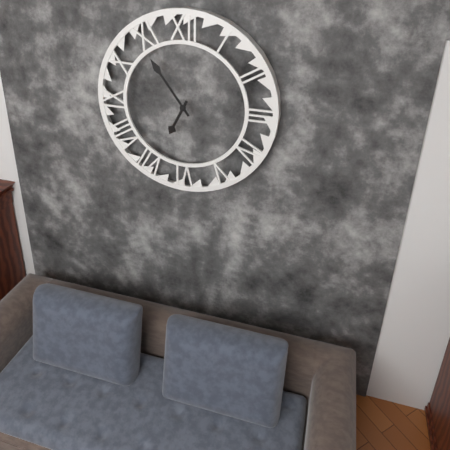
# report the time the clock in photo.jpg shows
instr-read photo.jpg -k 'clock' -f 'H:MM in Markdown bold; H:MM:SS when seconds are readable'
**6:54**
